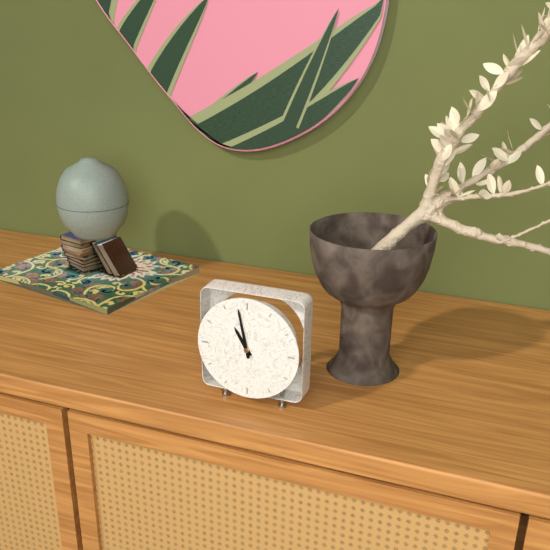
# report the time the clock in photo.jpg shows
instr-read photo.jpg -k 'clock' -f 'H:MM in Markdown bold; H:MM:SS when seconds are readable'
**10:58**
